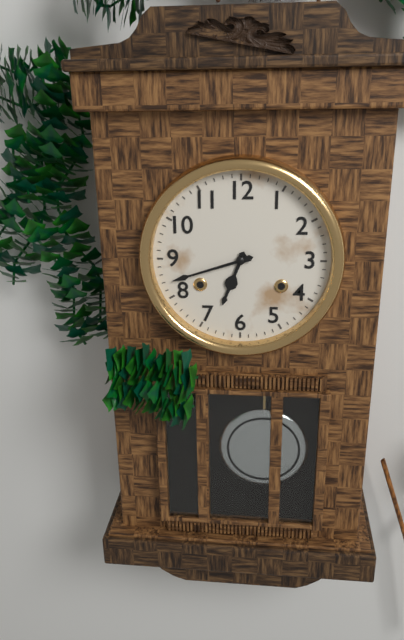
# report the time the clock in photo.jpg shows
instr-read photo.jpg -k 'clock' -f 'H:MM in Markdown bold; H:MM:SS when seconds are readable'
**6:42**
